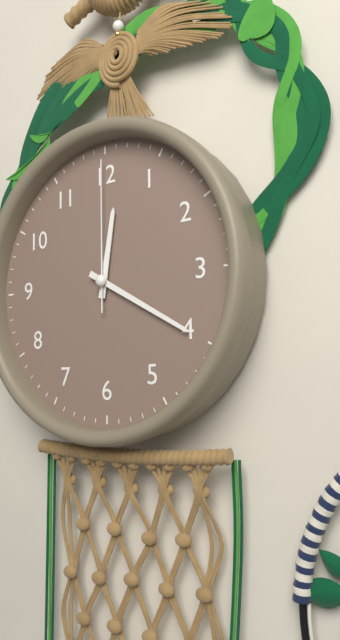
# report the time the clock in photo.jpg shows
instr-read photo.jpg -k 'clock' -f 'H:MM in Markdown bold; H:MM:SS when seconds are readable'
**12:20:00**
